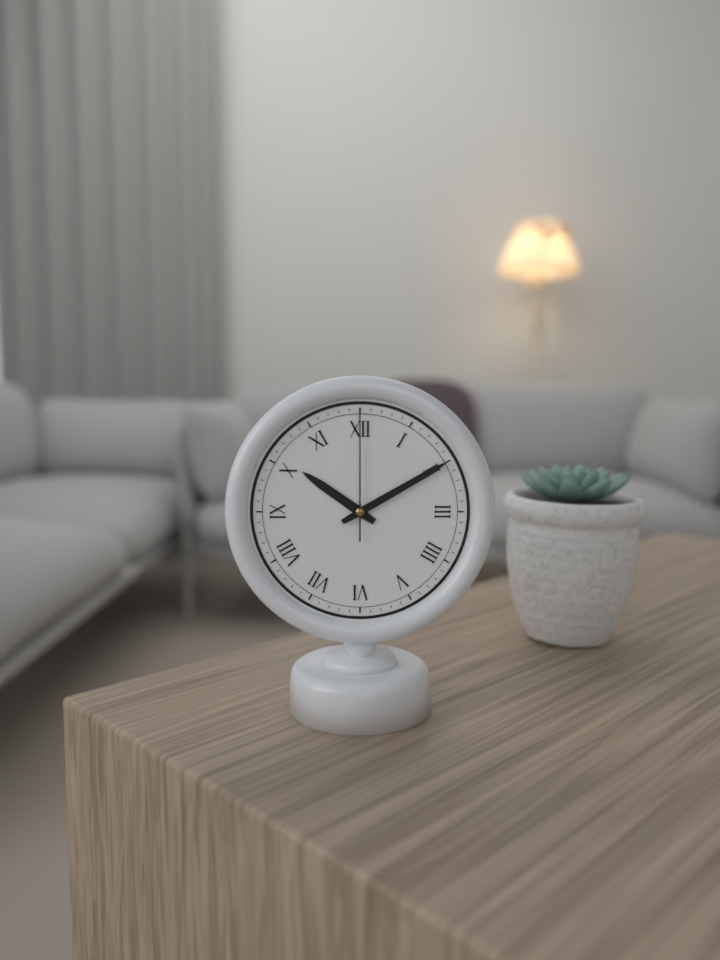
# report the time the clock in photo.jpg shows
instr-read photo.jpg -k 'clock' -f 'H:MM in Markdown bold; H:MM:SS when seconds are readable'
**10:10:00**
